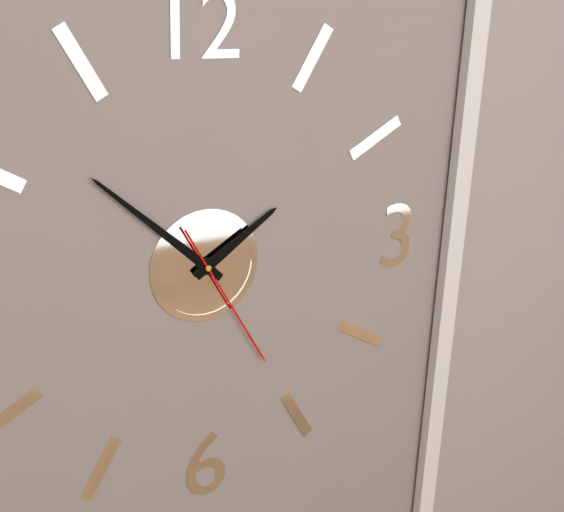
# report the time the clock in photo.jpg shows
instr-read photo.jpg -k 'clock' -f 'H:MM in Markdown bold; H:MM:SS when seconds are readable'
**1:52:25**
